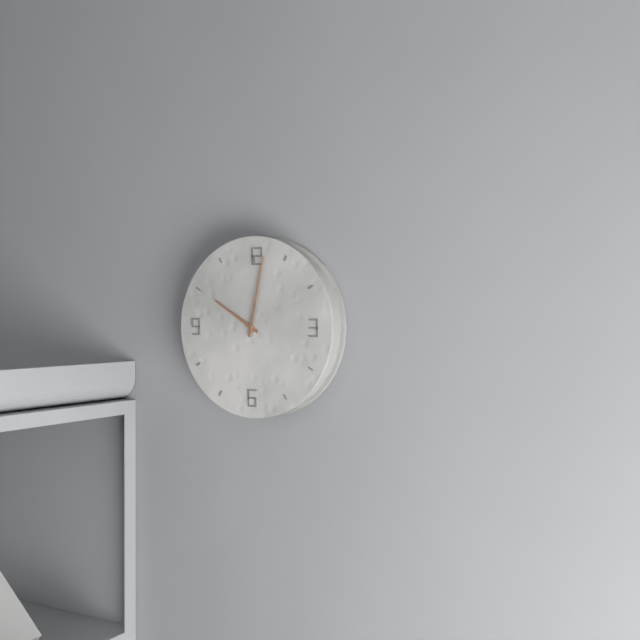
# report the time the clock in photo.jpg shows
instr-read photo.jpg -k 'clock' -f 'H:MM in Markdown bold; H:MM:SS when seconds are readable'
**10:02**
